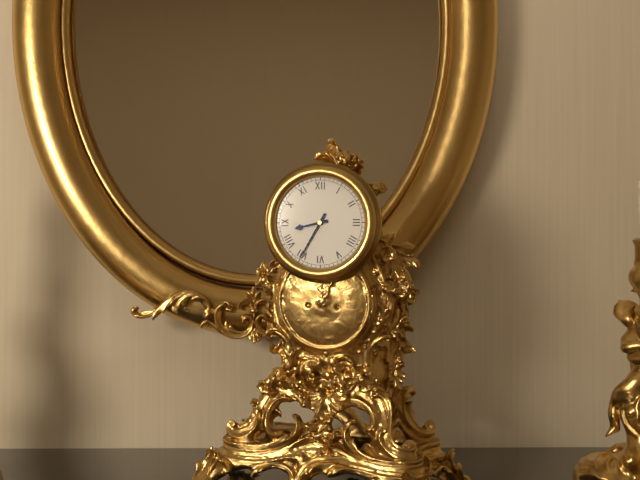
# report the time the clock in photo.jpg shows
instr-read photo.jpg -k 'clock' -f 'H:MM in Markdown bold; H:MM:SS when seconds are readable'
**8:35**
